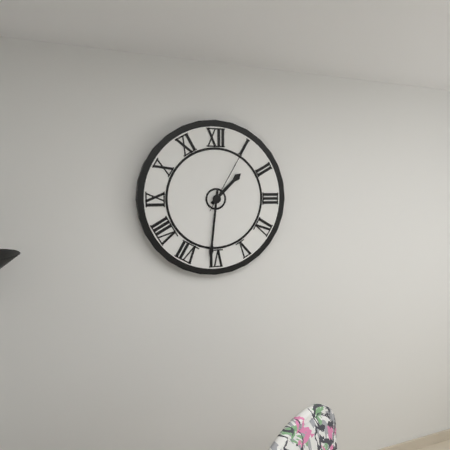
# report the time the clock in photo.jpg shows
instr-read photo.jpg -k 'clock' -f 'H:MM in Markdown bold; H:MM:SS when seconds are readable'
**1:31:05**
